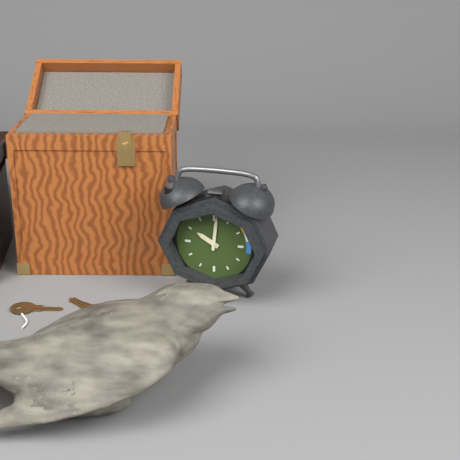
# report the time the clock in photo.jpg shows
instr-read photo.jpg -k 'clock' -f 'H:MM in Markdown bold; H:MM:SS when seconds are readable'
**10:01**
